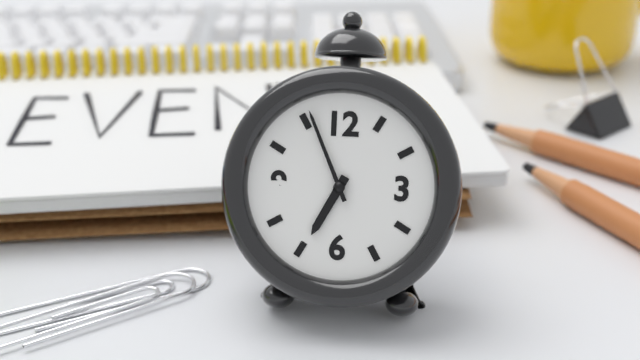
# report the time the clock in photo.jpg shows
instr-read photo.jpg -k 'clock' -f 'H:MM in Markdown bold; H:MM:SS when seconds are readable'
**6:56**
